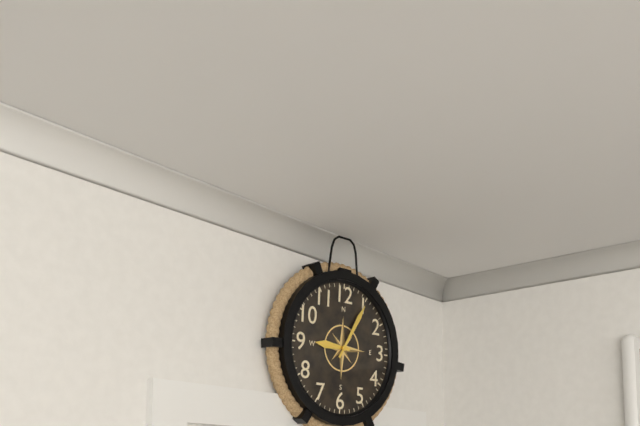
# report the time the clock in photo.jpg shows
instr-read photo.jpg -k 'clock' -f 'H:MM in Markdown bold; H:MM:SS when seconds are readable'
**9:05**
